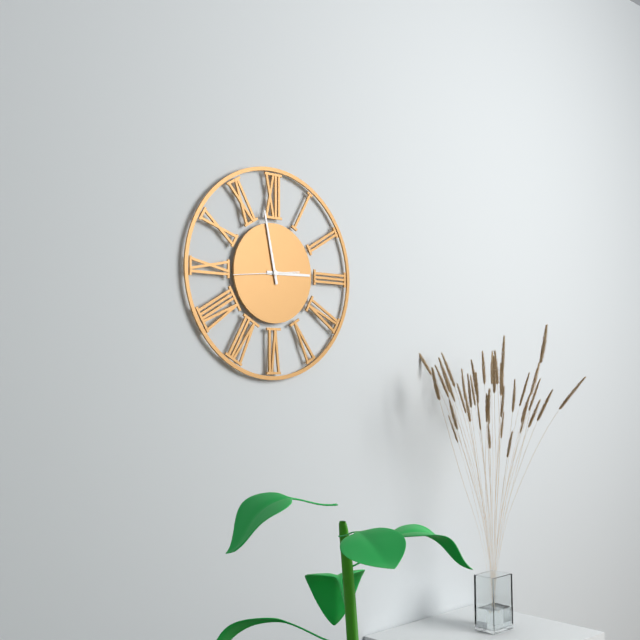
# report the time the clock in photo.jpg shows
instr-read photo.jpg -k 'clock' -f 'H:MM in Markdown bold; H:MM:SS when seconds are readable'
**2:58:44**
